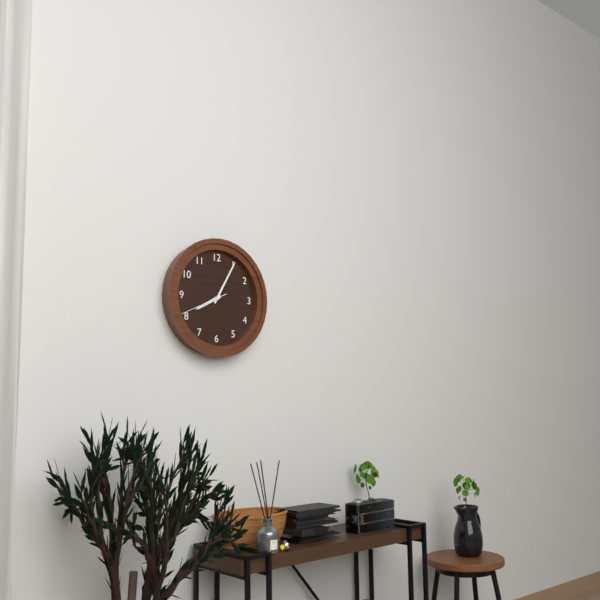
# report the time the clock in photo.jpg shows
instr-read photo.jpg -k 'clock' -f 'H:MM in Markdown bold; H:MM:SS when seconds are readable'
**8:05:41**
